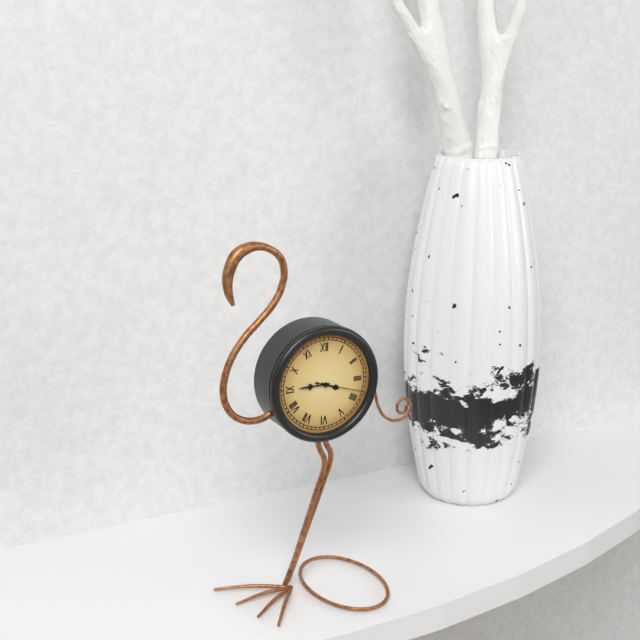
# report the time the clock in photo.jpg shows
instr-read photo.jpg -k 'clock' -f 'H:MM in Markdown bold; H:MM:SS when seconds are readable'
**3:45:18**
